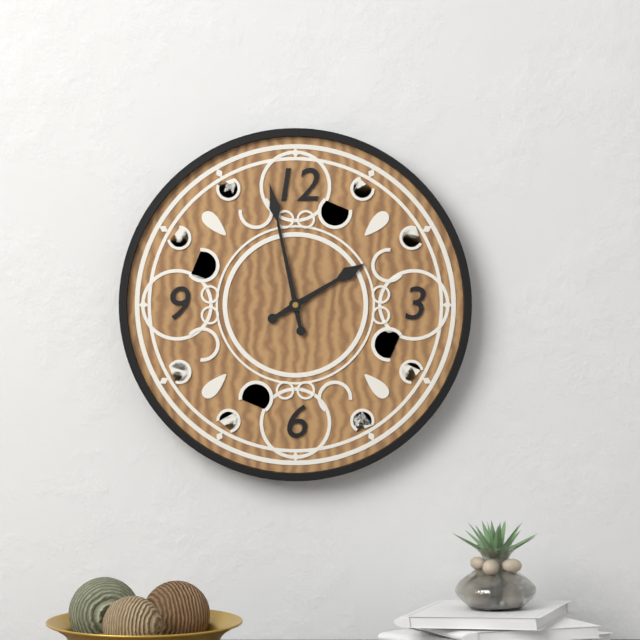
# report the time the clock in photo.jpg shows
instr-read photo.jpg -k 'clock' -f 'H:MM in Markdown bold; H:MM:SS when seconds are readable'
**1:58**
